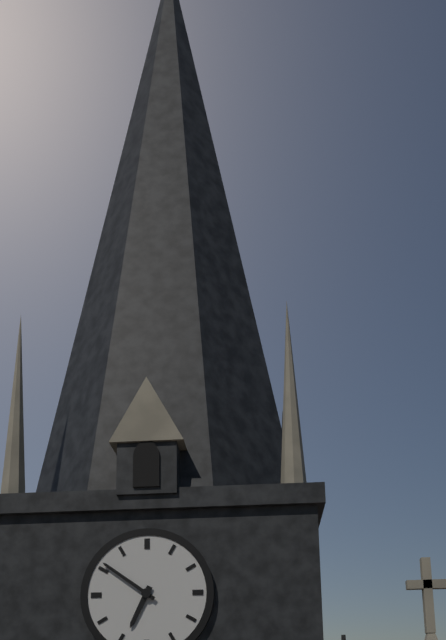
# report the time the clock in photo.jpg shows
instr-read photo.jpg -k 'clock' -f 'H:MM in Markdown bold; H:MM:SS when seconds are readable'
**6:51**
